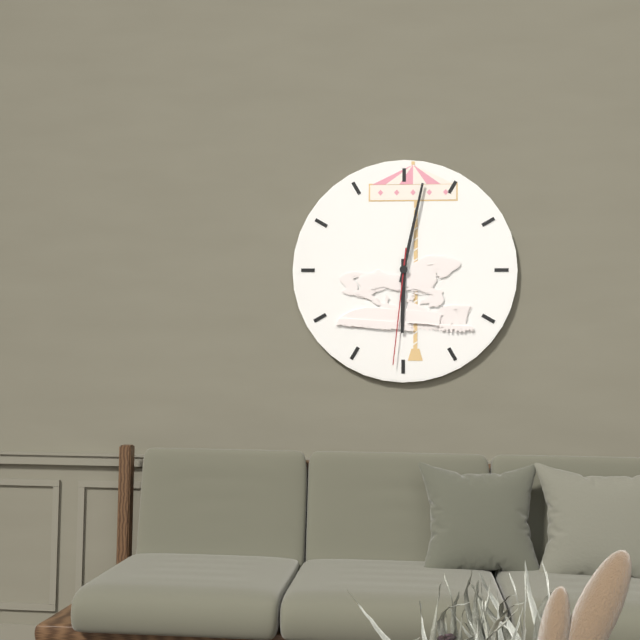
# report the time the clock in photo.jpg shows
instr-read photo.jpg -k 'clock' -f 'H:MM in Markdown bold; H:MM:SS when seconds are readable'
**6:02:31**
